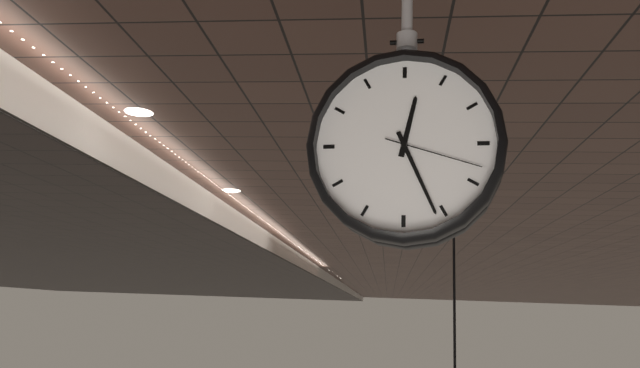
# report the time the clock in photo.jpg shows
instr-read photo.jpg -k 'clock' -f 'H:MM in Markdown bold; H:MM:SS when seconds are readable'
**12:26:18**
